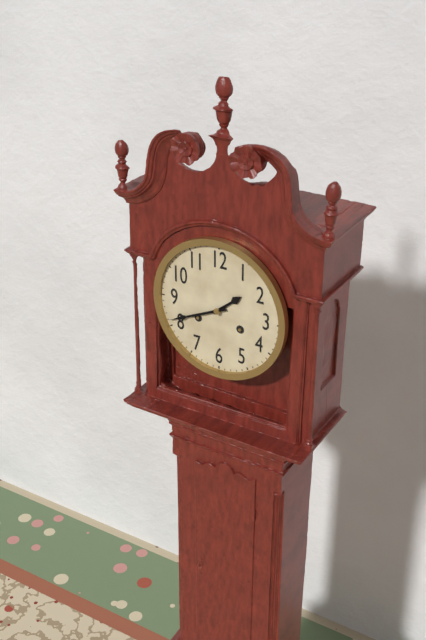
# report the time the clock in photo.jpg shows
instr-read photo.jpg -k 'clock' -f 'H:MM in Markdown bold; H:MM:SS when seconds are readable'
**1:41**
